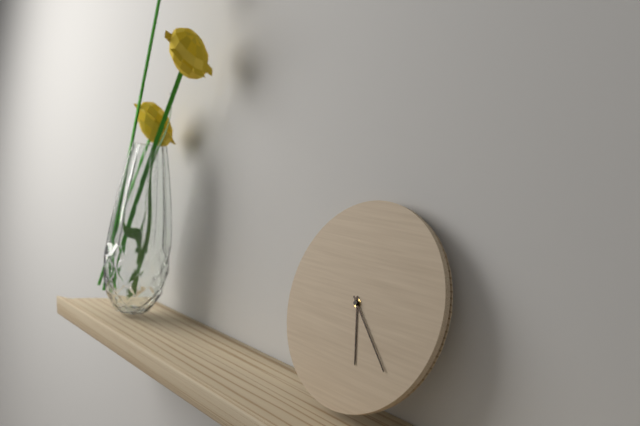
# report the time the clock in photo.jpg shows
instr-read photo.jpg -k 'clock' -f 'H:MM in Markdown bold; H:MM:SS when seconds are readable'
**5:22**
